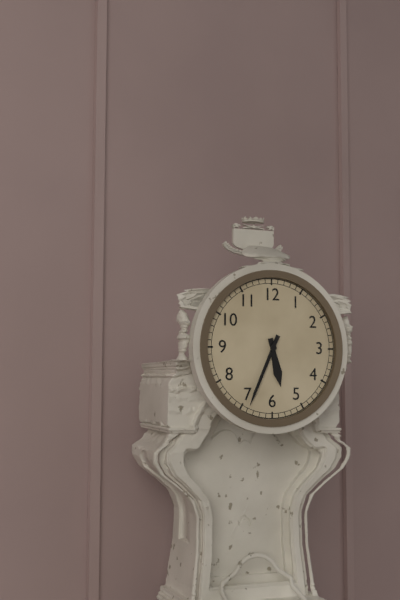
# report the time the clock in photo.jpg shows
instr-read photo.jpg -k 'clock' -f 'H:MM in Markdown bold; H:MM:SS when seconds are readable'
**5:34**
